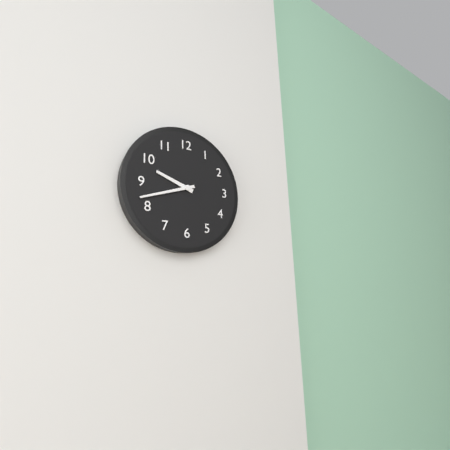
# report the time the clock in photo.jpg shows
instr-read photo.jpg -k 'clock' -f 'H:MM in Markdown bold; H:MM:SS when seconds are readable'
**9:42**
